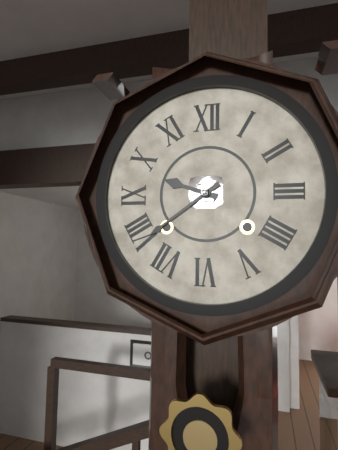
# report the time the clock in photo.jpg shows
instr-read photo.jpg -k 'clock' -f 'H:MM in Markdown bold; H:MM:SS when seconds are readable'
**9:39**
